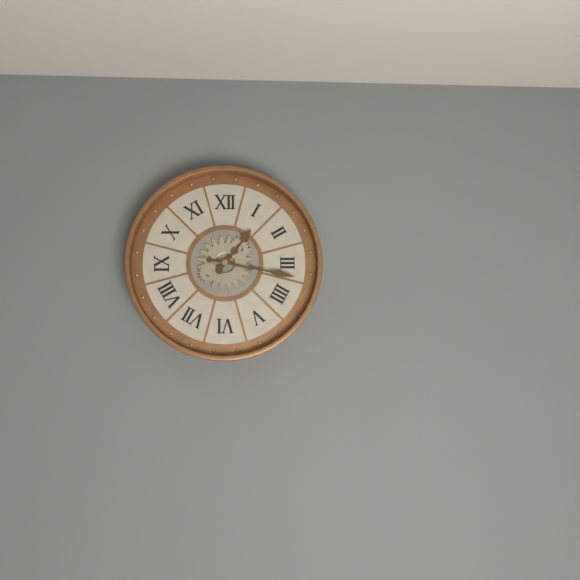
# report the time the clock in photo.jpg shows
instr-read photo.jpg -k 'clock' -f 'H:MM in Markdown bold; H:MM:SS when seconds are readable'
**1:17**
